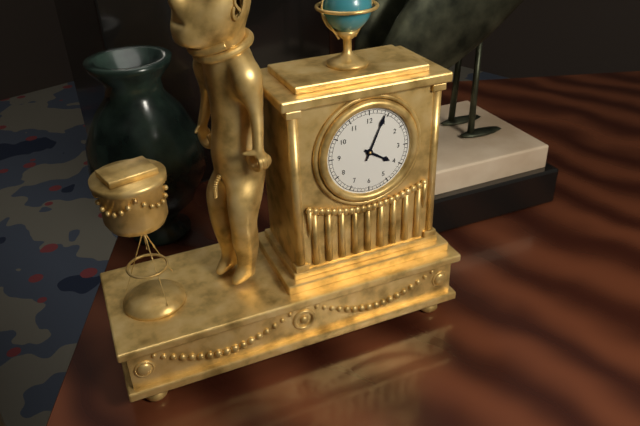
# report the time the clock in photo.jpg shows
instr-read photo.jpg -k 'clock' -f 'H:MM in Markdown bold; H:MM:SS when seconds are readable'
**4:04**
